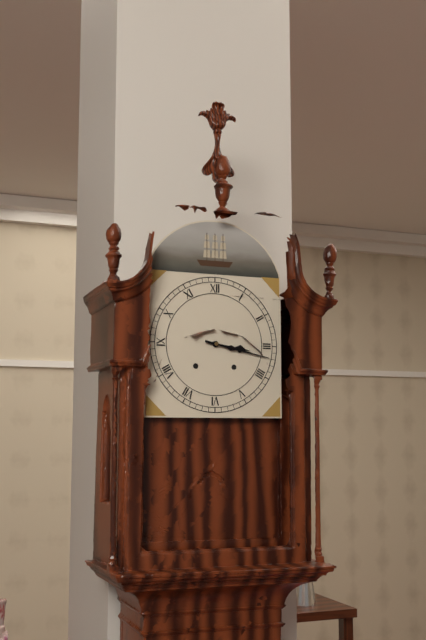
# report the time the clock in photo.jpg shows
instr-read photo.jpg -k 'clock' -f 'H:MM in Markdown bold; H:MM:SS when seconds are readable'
**3:17**
